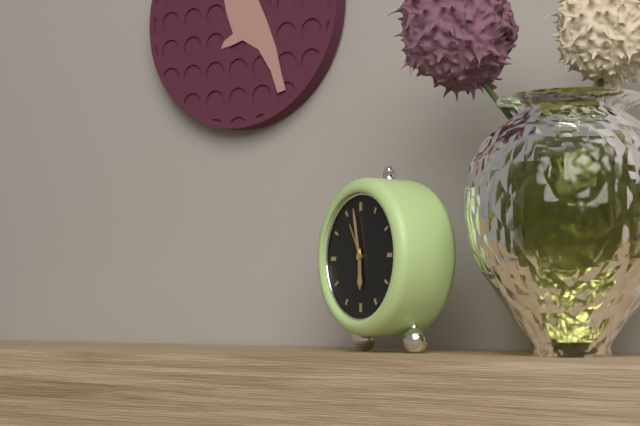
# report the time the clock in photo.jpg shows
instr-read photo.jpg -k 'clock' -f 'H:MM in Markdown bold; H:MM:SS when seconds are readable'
**5:58**
